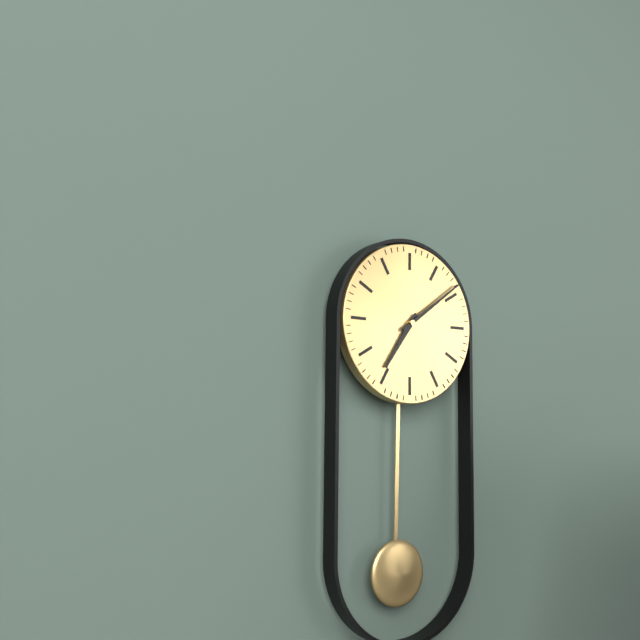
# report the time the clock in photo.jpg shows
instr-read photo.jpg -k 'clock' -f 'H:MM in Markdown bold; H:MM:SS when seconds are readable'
**7:09**
